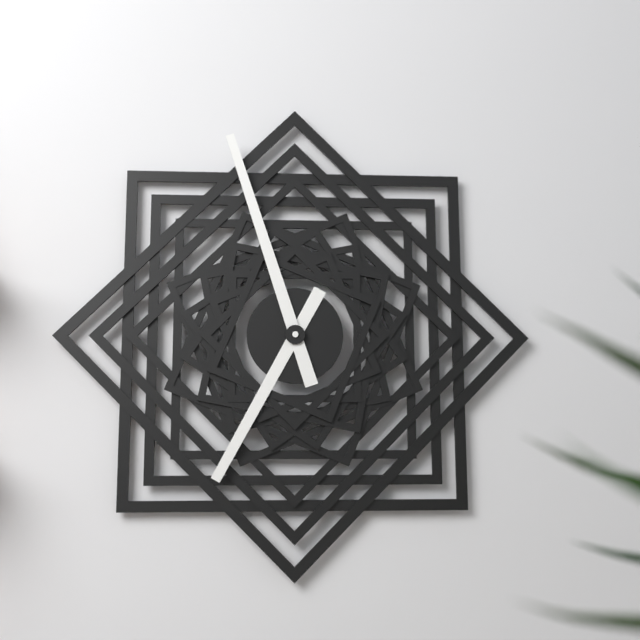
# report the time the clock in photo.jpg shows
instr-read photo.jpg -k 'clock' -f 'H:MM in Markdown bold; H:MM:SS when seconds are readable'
**6:57**
